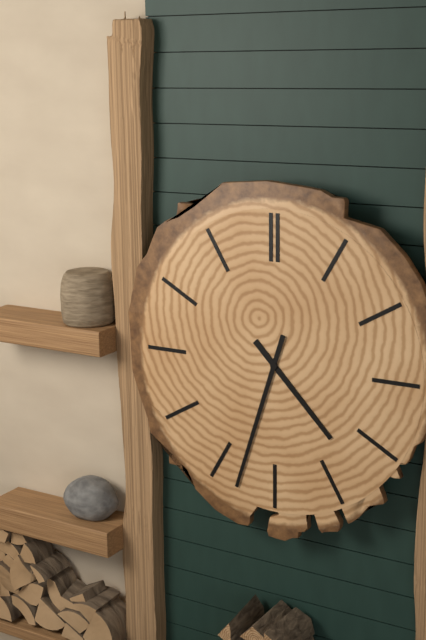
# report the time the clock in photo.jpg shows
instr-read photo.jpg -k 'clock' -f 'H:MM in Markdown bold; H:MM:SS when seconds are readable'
**4:33**
